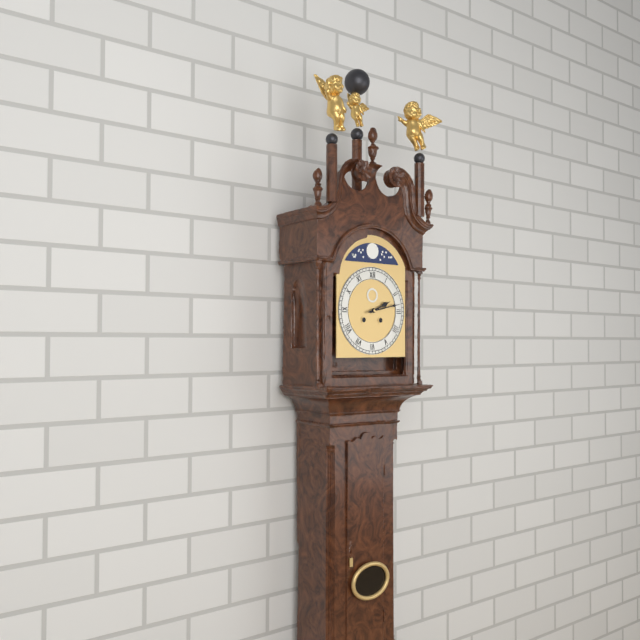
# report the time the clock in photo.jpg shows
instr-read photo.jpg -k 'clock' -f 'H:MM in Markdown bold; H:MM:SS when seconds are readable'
**2:13**
